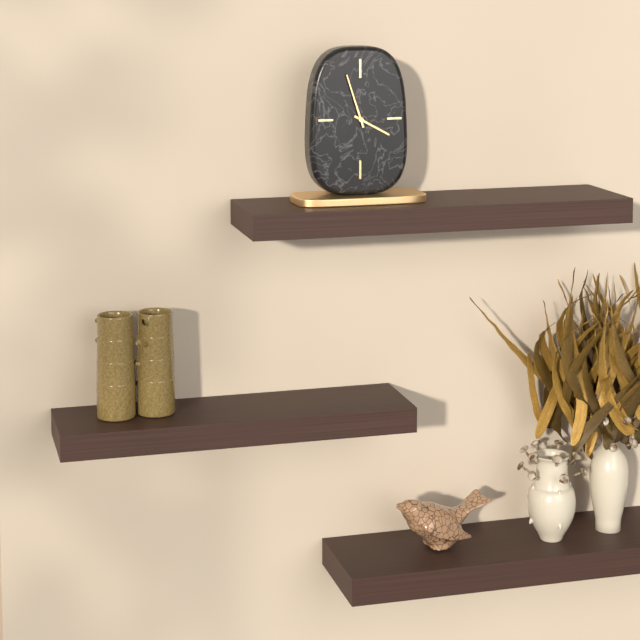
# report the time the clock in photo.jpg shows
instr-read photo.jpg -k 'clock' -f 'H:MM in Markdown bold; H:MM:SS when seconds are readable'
**3:57**
